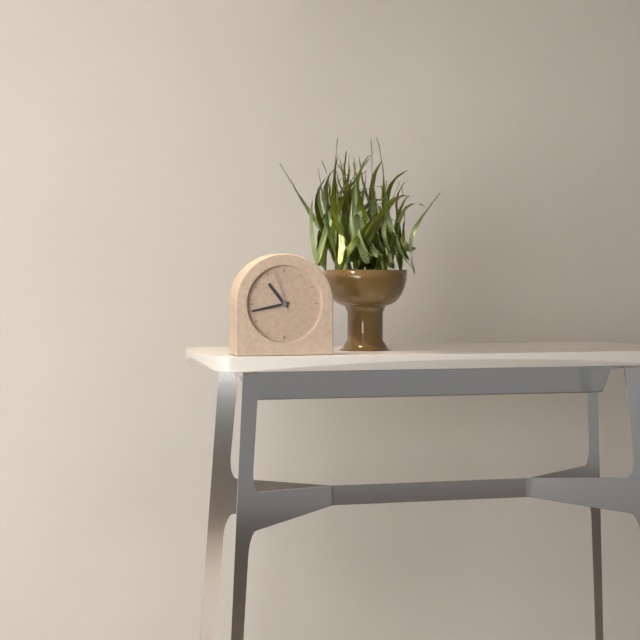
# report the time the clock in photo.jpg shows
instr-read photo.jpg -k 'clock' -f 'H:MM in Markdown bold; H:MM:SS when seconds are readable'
**10:43**
